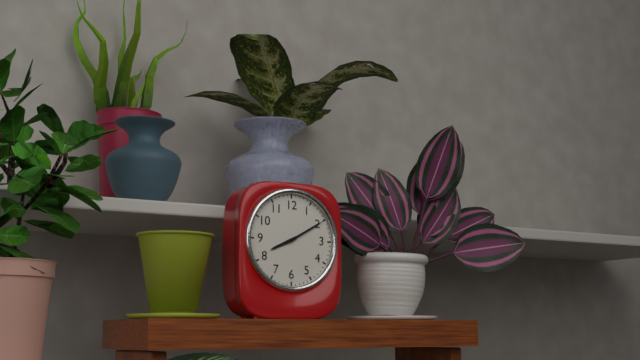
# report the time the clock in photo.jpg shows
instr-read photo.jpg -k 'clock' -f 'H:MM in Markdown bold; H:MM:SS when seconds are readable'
**8:10**
